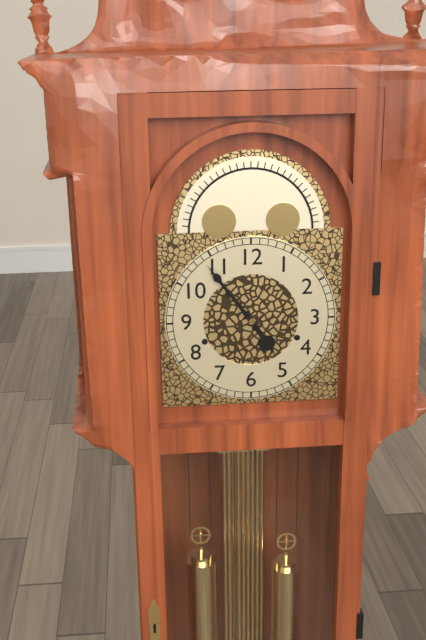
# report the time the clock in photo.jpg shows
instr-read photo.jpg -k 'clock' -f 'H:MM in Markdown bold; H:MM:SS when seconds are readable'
**4:54**
